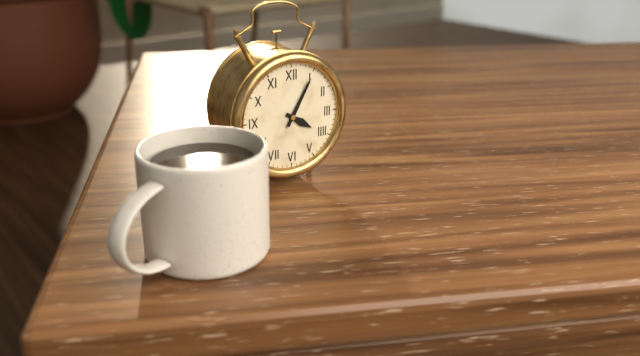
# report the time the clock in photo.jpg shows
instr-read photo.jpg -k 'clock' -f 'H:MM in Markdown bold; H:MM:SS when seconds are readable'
**4:05**
